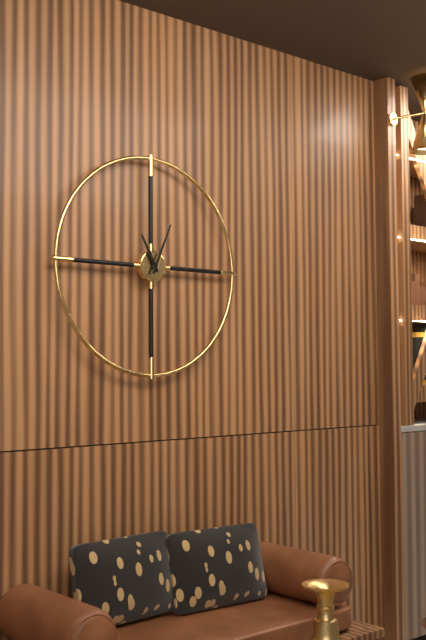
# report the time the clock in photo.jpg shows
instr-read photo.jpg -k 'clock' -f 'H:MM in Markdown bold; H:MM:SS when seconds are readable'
**11:04**
